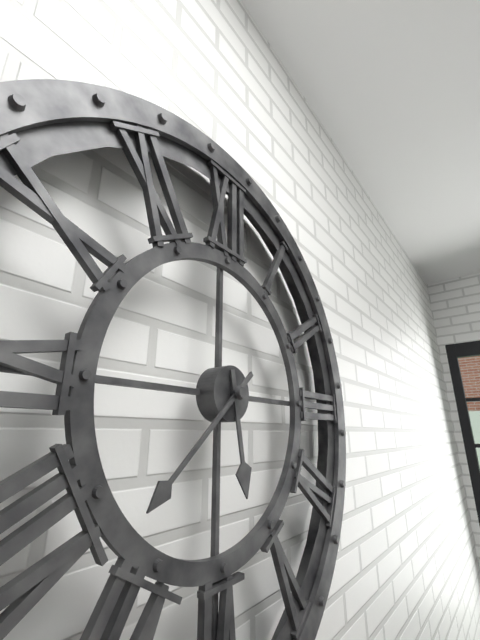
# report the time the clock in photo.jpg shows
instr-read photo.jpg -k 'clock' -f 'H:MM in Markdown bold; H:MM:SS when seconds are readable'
**5:38**
